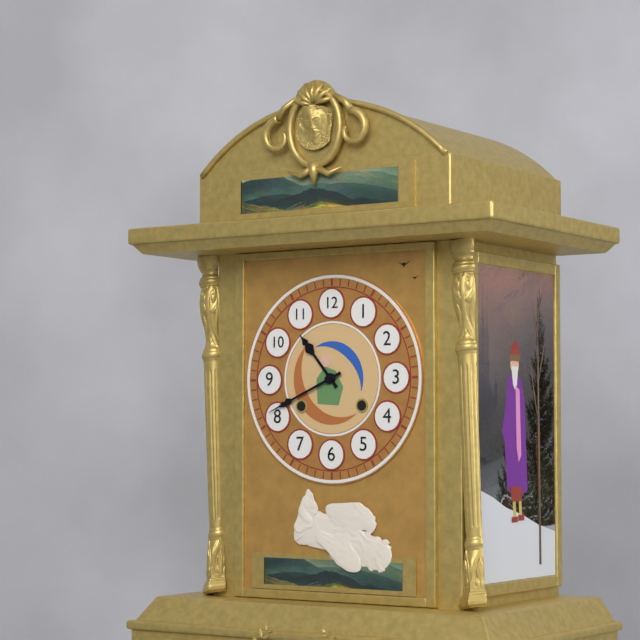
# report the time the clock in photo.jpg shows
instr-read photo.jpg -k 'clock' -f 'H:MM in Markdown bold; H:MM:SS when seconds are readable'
**10:41**
